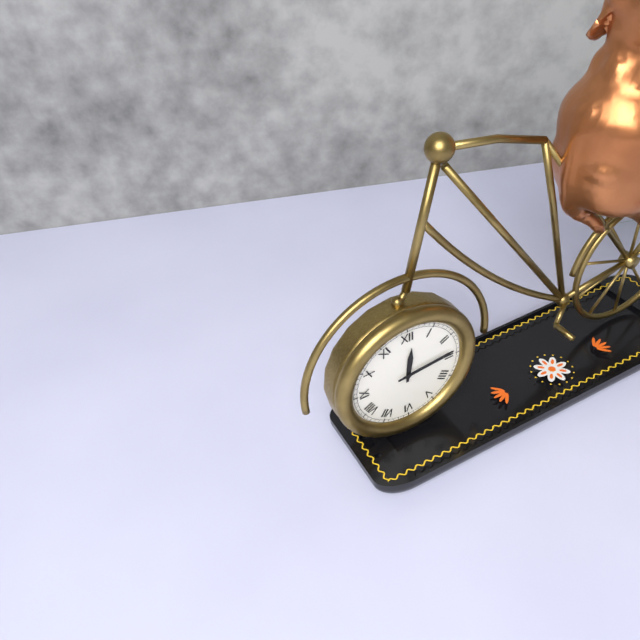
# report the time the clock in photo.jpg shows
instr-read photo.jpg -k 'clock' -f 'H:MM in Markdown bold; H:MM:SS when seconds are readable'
**12:14**
